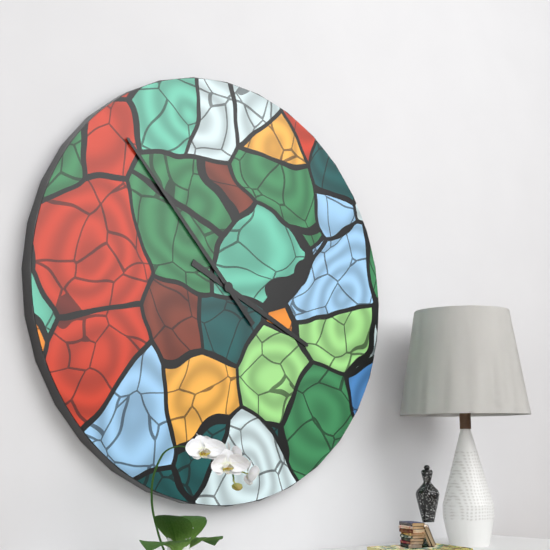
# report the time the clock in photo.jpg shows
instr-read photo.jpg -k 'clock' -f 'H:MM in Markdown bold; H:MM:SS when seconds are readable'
**3:53**
